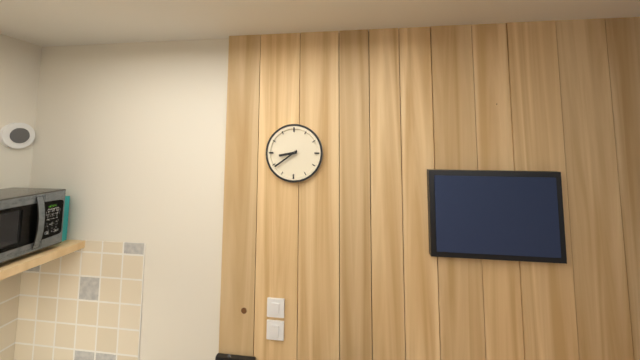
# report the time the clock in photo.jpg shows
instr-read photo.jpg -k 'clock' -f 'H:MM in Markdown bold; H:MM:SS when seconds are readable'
**8:39**
